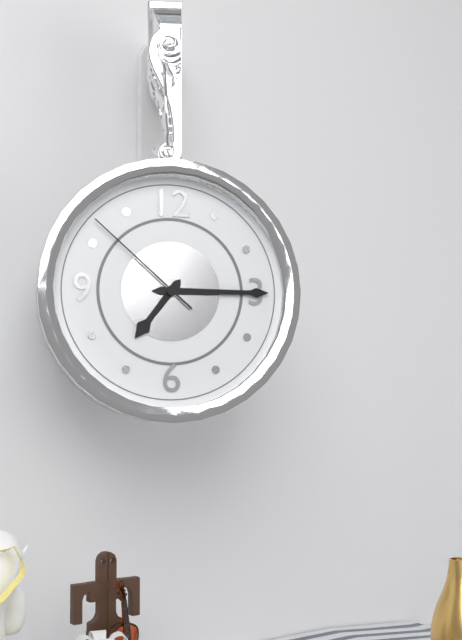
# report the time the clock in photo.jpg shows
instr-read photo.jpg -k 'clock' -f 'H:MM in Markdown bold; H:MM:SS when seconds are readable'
**7:15:52**
